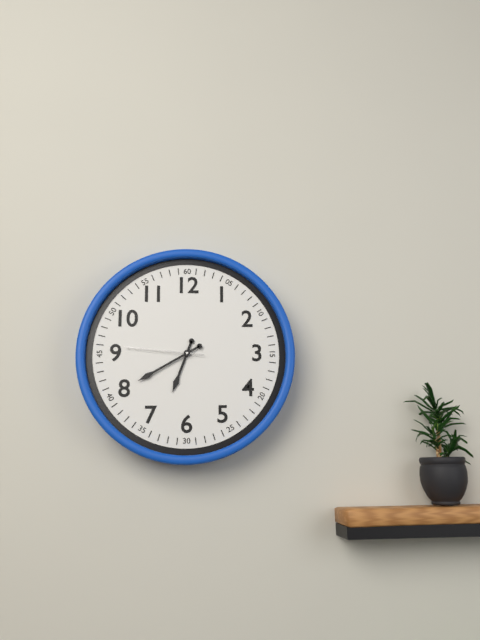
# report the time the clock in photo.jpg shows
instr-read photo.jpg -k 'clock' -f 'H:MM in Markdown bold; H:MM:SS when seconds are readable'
**6:40:46**
